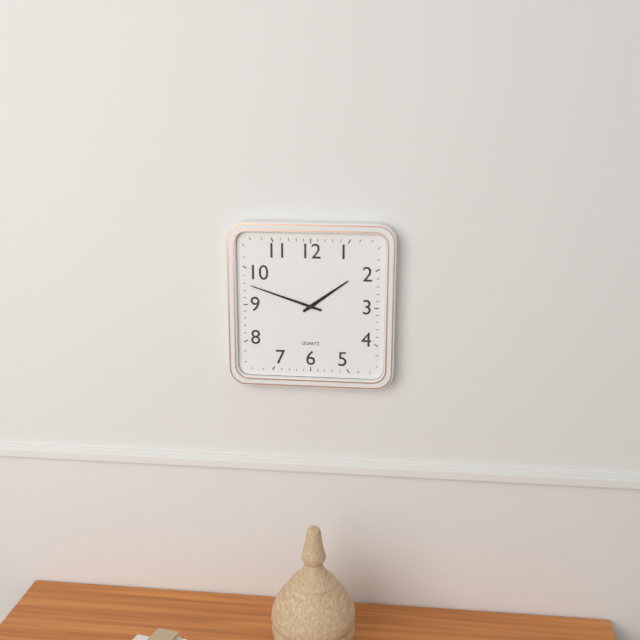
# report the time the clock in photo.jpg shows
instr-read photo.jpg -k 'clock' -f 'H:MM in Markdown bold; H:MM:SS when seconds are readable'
**1:48**
